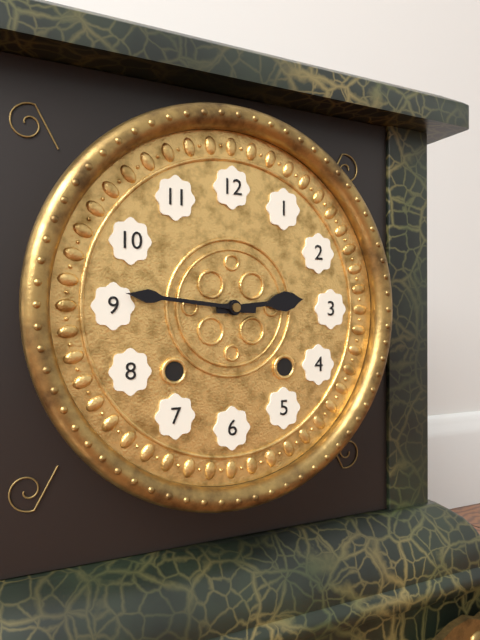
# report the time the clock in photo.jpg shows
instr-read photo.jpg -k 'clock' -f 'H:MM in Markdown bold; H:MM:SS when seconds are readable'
**2:46**
